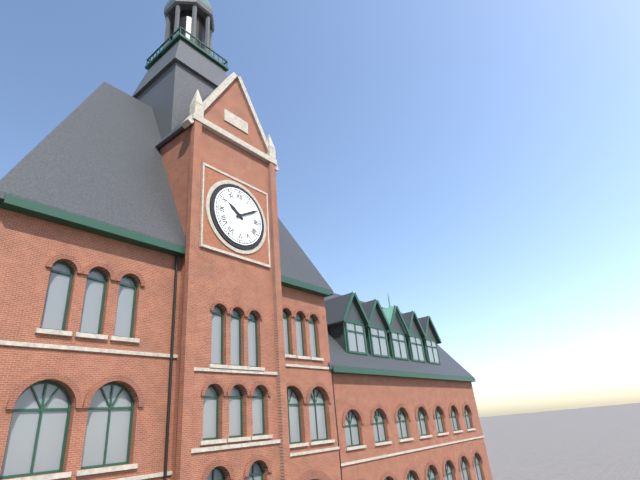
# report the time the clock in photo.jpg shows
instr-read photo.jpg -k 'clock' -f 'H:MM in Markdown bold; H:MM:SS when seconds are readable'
**10:10**
